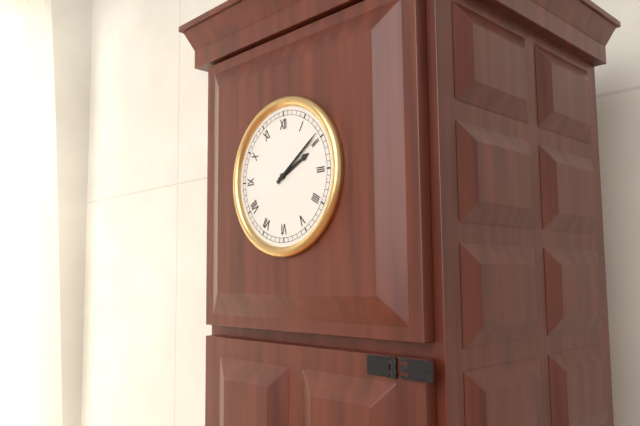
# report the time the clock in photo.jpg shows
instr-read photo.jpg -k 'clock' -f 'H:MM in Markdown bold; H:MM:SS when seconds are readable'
**2:09**
